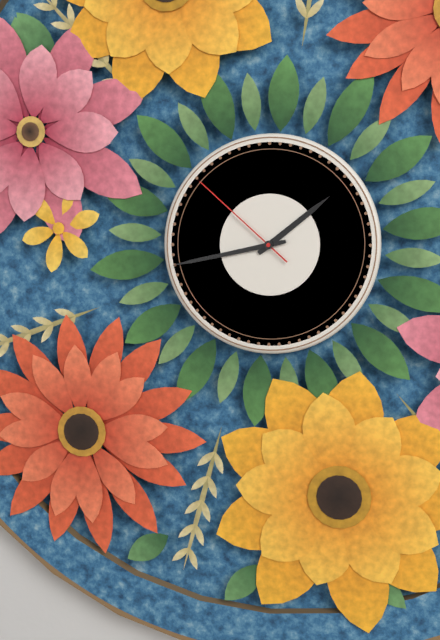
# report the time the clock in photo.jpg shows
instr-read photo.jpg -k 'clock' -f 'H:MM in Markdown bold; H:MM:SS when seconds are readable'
**1:43:52**
